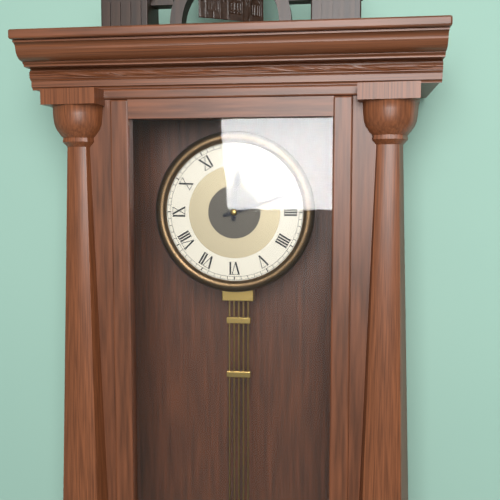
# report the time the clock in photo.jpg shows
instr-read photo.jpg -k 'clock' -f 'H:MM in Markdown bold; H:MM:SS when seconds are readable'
**12:12**
